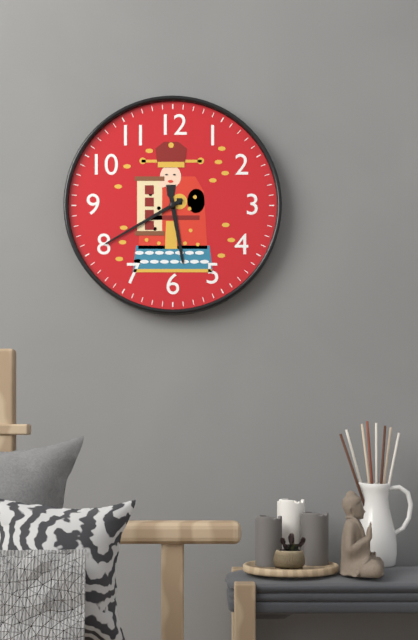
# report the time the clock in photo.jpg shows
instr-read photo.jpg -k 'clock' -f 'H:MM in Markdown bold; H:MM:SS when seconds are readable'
**5:40**
